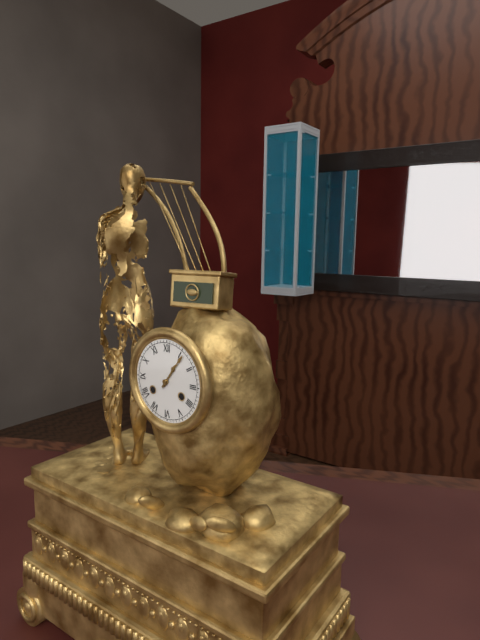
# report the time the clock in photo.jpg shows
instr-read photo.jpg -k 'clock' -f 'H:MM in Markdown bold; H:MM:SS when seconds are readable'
**1:06**
